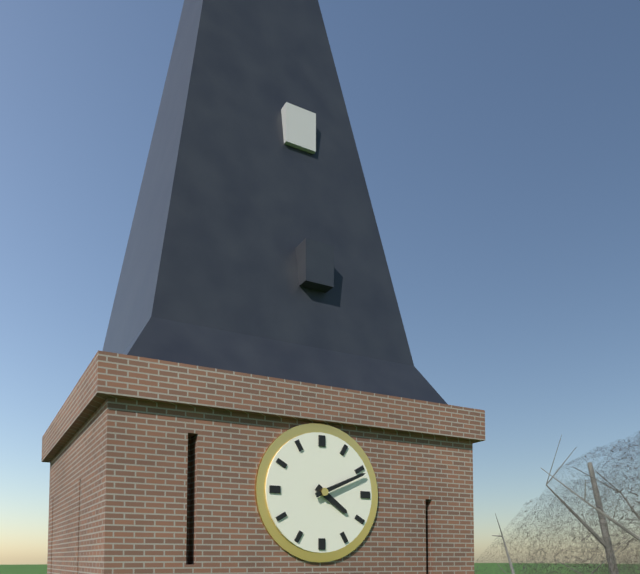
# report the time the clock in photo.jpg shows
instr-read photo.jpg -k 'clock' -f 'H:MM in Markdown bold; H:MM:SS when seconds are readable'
**4:11**
